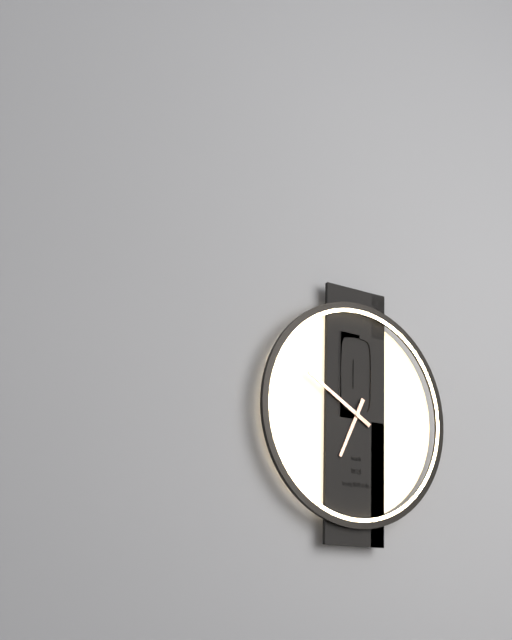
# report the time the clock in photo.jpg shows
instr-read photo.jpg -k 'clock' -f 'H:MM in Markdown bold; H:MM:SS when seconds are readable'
**6:50**
